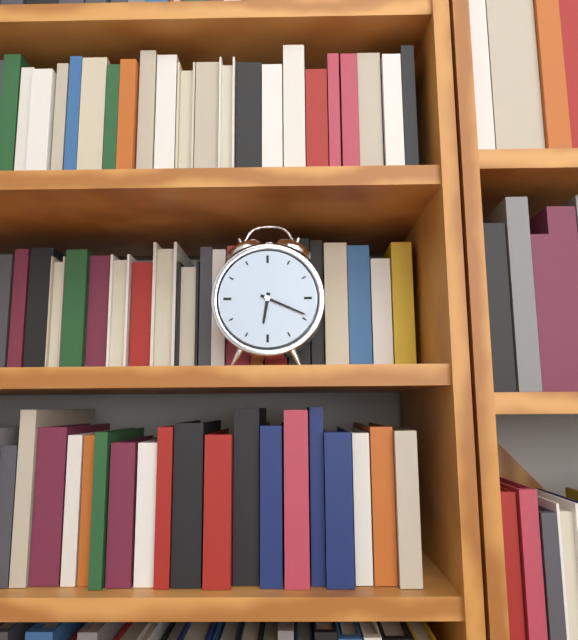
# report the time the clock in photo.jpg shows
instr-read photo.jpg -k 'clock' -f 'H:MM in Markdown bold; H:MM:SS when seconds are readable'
**6:19**
